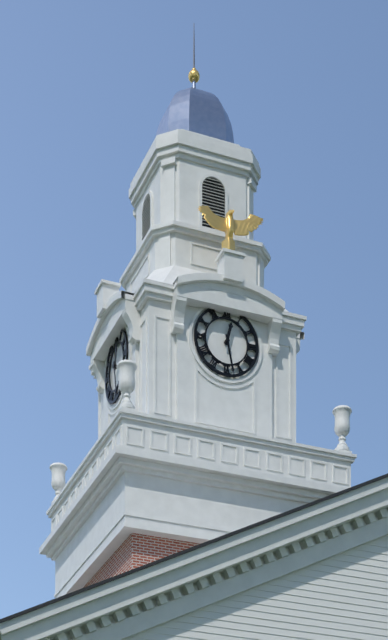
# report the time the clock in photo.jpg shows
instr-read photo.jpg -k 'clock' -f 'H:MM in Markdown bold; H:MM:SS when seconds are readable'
**12:28**
